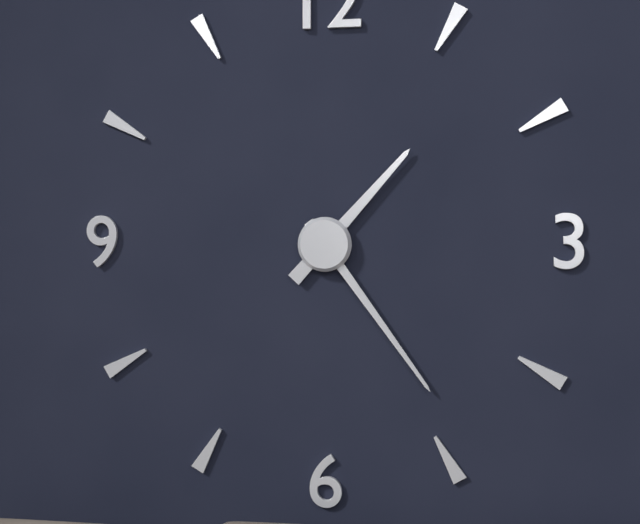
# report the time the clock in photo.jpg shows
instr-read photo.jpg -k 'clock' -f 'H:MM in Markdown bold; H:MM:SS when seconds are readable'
**1:24**
